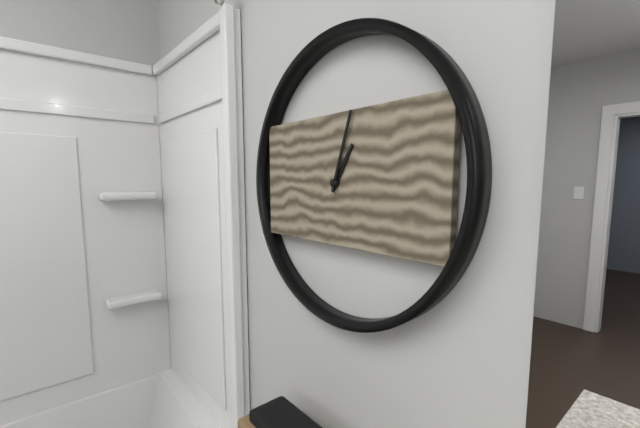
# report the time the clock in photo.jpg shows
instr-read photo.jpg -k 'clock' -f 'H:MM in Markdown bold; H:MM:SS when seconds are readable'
**1:03**
